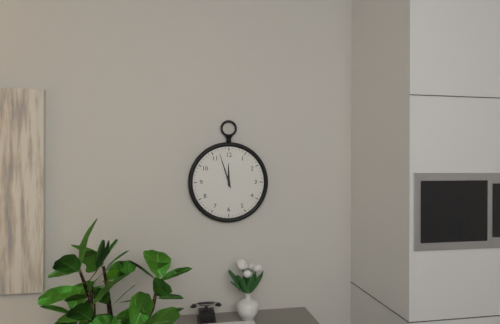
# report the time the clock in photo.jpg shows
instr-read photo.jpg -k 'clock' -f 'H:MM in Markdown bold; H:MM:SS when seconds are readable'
**11:57**
